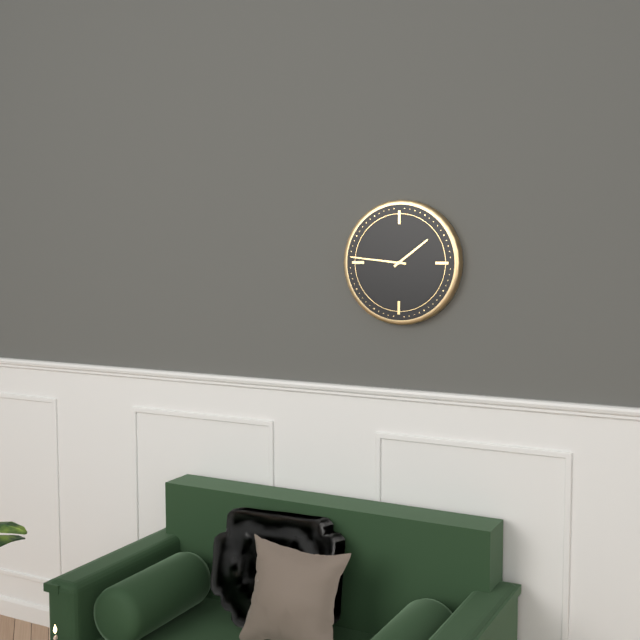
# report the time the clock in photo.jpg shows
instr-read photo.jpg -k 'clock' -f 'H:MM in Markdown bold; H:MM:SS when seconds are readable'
**1:46**
